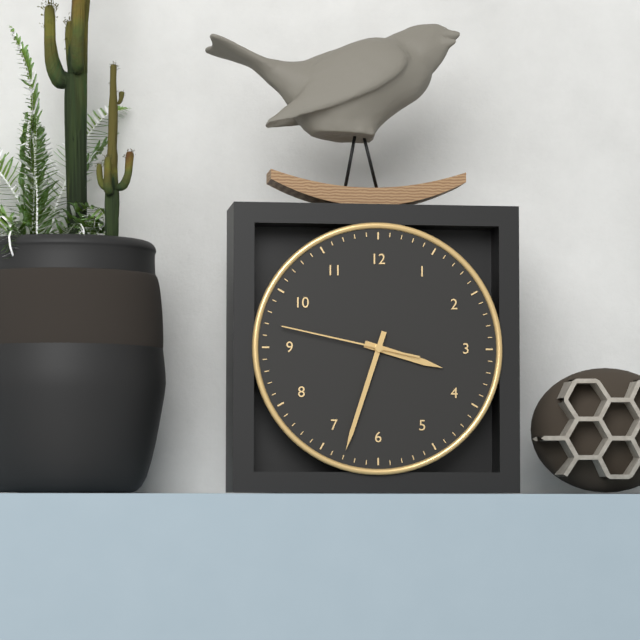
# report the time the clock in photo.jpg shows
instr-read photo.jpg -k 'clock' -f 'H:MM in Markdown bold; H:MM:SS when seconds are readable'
**3:33:47**
